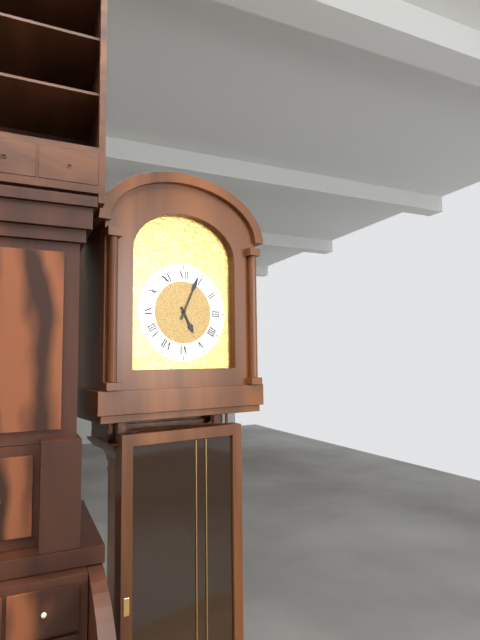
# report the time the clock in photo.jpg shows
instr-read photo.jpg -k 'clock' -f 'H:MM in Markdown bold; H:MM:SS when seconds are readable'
**5:04**
